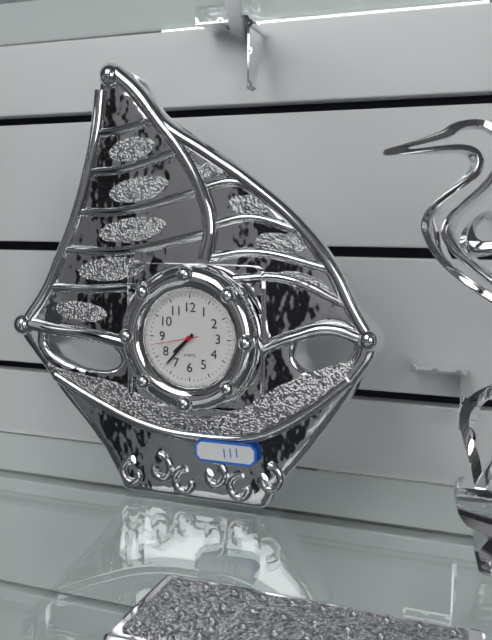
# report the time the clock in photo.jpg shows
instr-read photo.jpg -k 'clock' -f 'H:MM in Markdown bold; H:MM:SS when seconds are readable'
**7:37**
